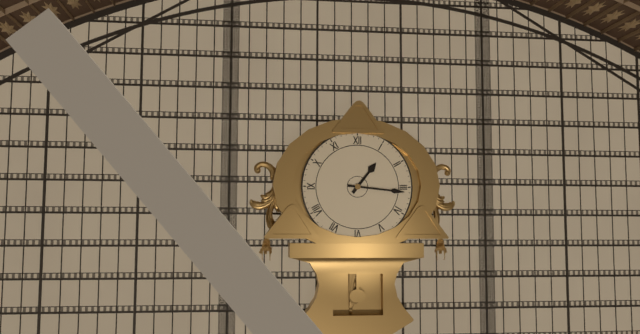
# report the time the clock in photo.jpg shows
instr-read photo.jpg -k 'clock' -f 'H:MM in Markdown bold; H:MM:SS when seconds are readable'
**1:16**
